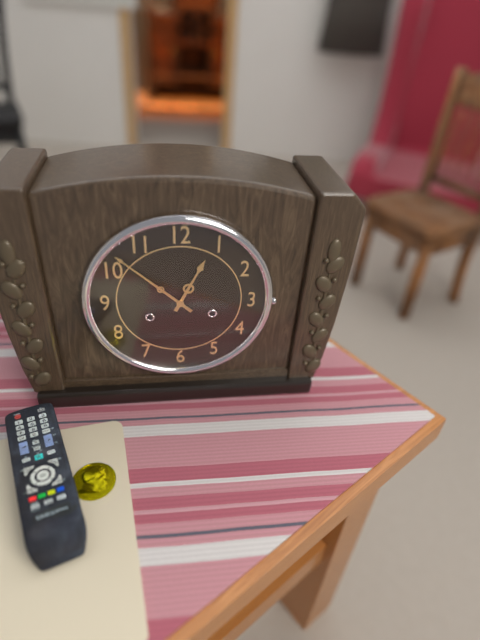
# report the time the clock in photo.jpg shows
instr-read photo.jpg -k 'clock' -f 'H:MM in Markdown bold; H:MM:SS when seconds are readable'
**12:52**
